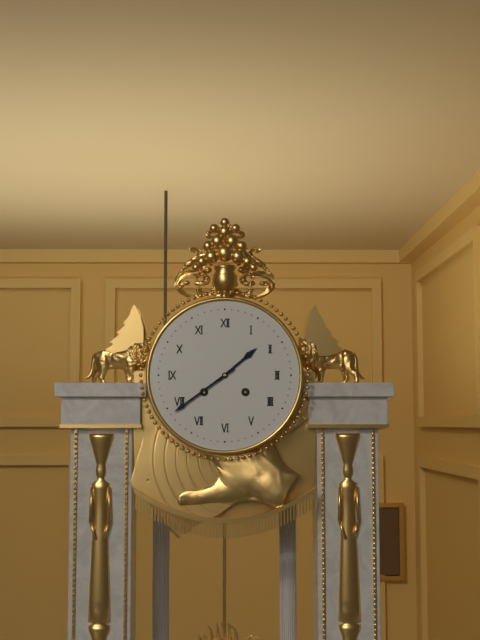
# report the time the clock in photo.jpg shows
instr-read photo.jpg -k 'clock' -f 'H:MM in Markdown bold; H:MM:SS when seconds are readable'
**1:39**
